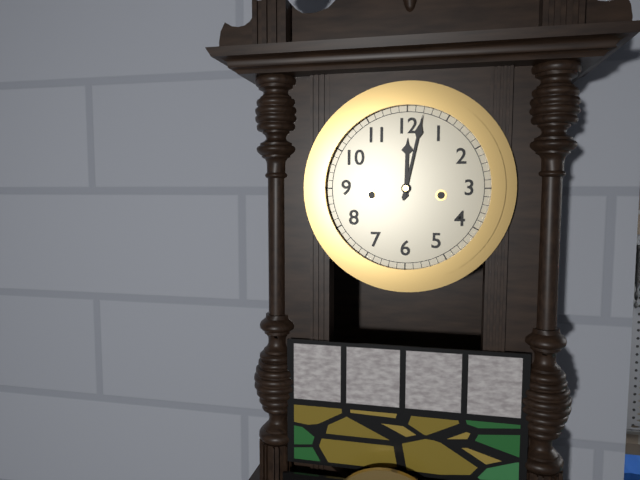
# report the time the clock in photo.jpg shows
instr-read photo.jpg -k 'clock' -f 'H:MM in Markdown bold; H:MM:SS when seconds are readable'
**12:02**
